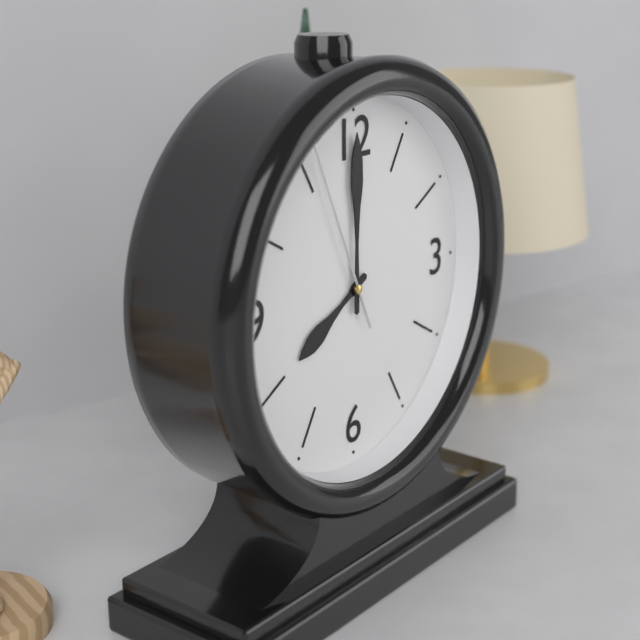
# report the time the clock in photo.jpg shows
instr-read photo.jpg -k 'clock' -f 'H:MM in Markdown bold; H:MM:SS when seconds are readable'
**8:00:56**
